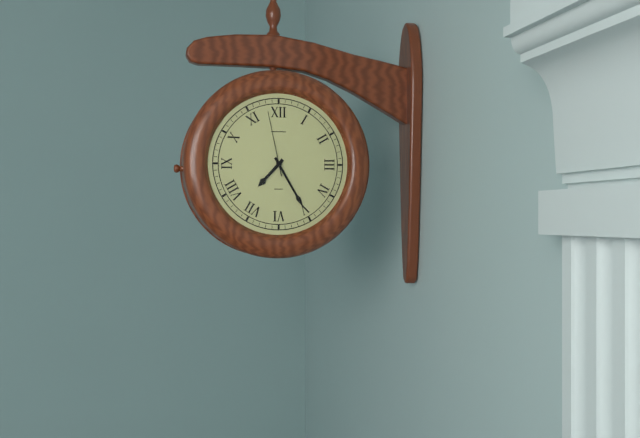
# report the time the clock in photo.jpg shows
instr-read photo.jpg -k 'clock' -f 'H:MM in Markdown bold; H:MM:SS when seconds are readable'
**7:25:58**
